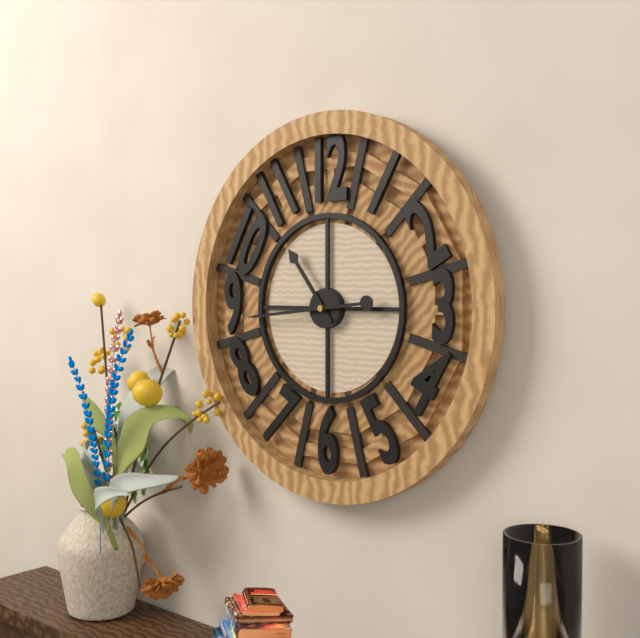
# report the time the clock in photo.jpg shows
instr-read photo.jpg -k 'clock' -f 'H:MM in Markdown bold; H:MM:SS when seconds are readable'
**10:44**
